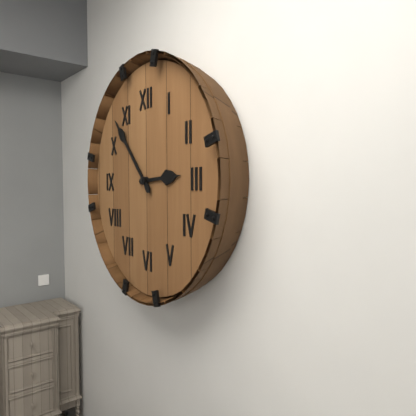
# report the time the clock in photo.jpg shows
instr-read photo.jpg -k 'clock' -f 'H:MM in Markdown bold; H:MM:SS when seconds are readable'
**2:53**
